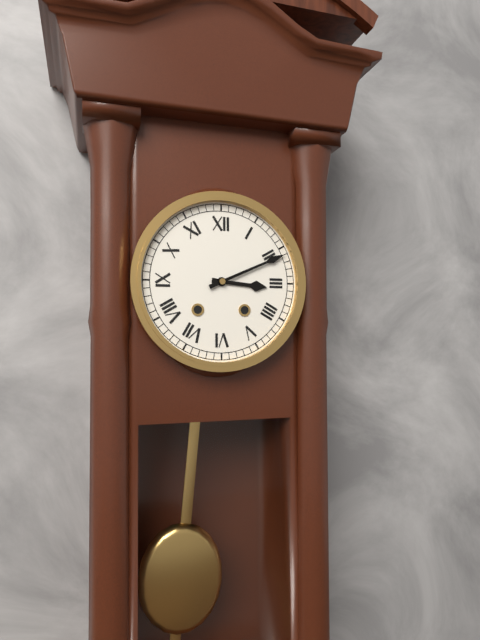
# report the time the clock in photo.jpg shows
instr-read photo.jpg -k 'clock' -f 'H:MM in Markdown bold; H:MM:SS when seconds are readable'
**3:11**
